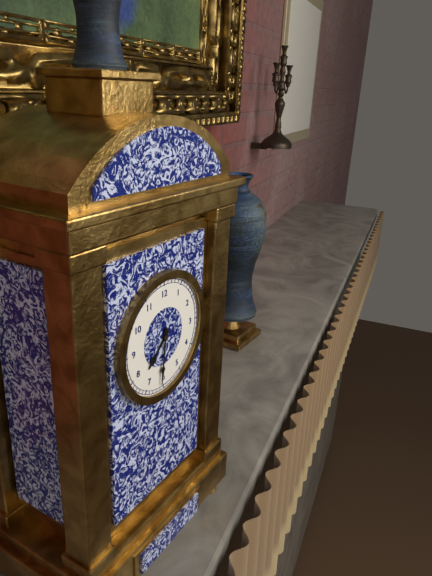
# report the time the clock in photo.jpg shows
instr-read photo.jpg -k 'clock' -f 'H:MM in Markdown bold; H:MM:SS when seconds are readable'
**7:31**
